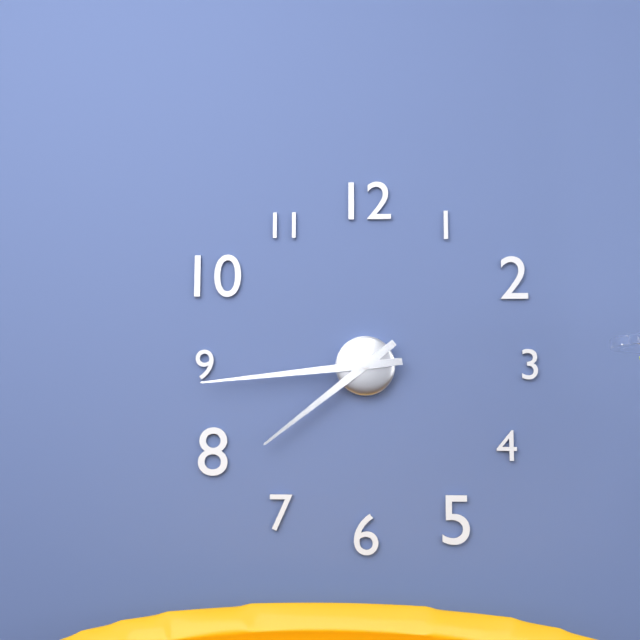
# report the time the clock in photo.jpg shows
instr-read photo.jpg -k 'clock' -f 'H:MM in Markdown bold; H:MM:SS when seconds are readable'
**7:44**
